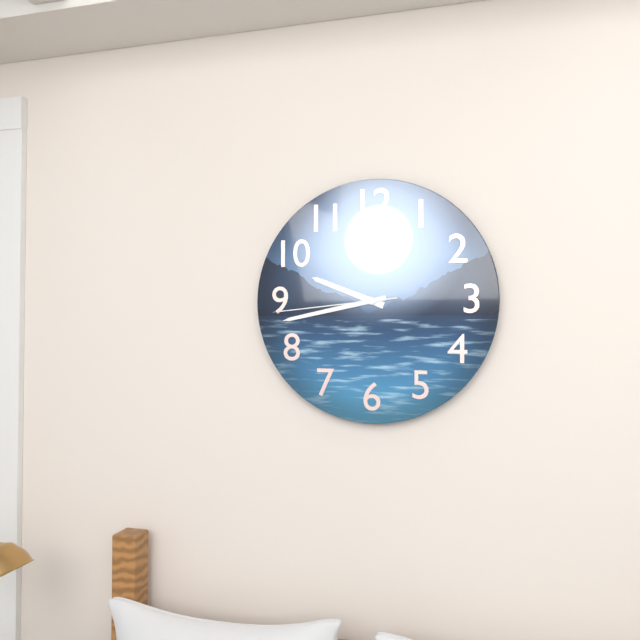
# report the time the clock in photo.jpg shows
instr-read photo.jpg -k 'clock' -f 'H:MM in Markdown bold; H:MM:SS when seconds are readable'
**9:43:44**
